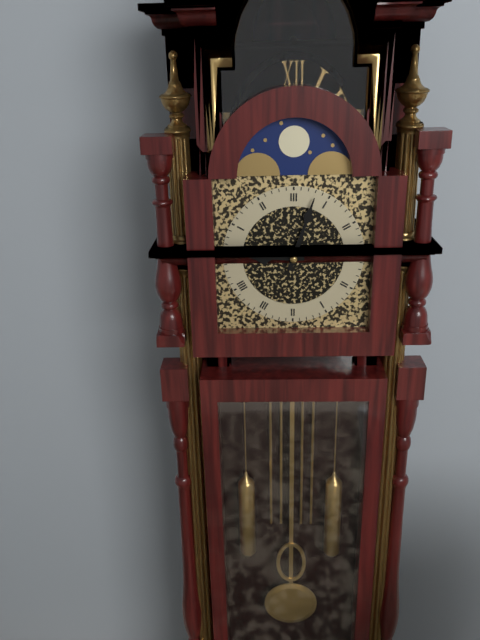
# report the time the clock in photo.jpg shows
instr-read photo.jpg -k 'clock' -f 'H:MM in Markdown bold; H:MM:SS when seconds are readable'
**9:03**
